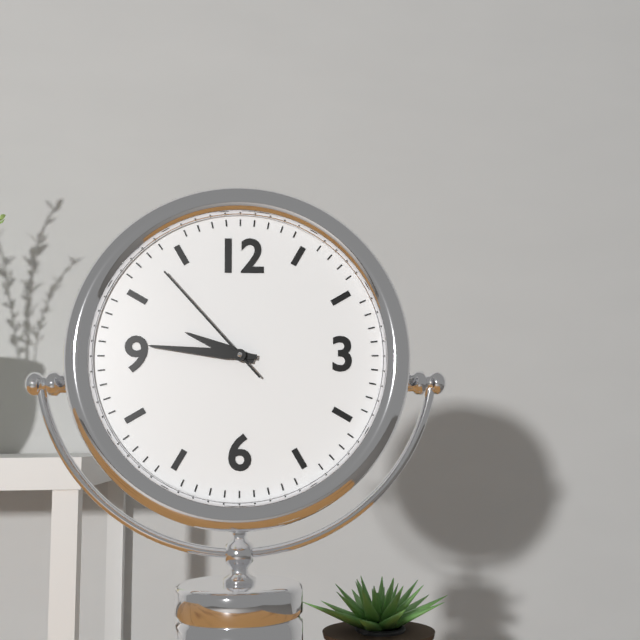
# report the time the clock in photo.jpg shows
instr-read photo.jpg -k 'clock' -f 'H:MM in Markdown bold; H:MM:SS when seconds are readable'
**9:46:53**
